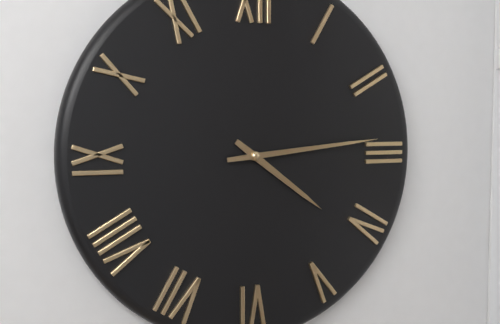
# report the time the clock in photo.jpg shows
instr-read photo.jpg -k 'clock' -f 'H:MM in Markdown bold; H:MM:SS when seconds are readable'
**4:14**
